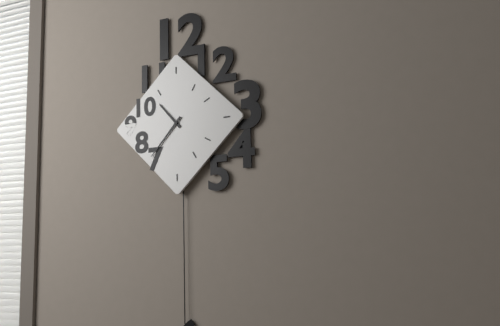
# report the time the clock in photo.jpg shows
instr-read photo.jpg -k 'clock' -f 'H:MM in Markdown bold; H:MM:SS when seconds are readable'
**10:37**
